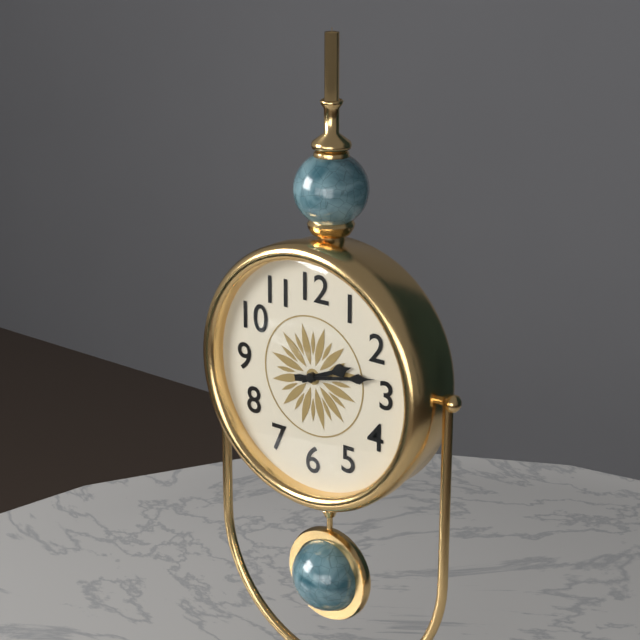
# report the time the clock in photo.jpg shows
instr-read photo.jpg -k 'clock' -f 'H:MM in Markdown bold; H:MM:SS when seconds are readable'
**2:13**
